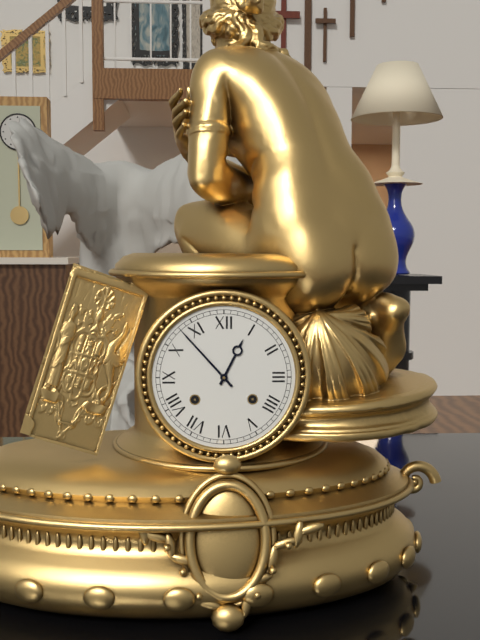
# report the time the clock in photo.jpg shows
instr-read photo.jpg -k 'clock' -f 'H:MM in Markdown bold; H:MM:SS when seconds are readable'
**12:53**
